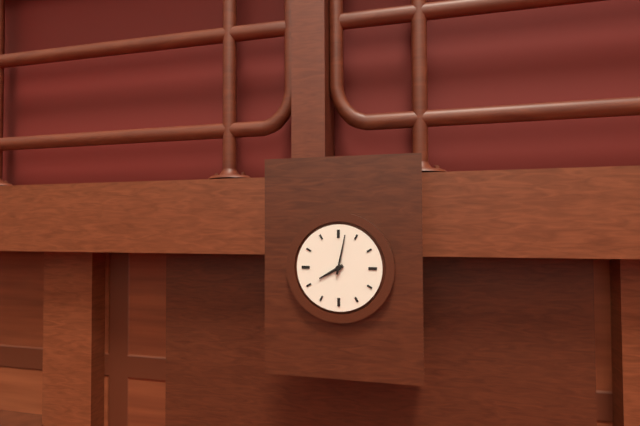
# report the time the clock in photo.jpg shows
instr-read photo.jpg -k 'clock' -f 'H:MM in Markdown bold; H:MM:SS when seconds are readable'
**8:02**
